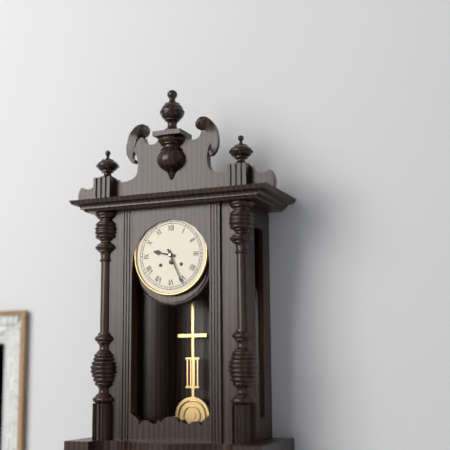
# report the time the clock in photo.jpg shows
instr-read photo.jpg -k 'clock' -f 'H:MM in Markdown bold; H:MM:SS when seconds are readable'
**9:26**
